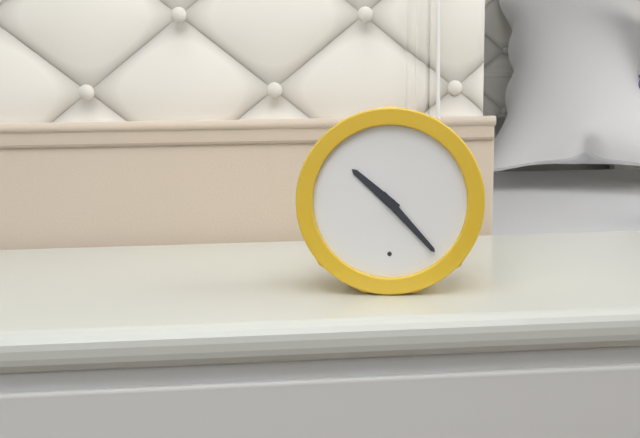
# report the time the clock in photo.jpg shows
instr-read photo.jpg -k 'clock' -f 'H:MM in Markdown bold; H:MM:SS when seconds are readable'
**10:23**
